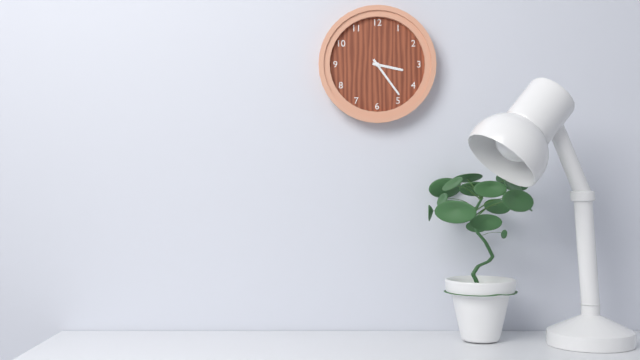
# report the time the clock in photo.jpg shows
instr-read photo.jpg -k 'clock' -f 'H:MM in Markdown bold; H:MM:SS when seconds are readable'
**3:24**
